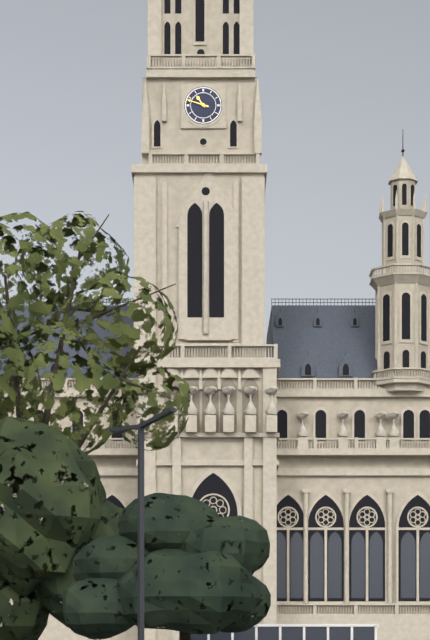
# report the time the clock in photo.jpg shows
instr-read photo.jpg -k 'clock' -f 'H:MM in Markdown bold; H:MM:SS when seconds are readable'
**10:48**
